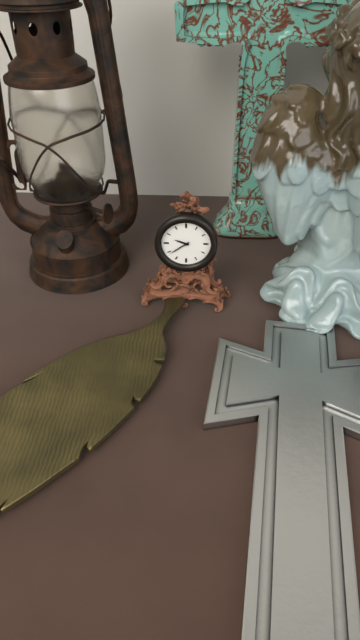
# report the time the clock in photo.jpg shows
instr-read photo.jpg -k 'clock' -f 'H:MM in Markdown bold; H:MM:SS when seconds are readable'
**9:39**
